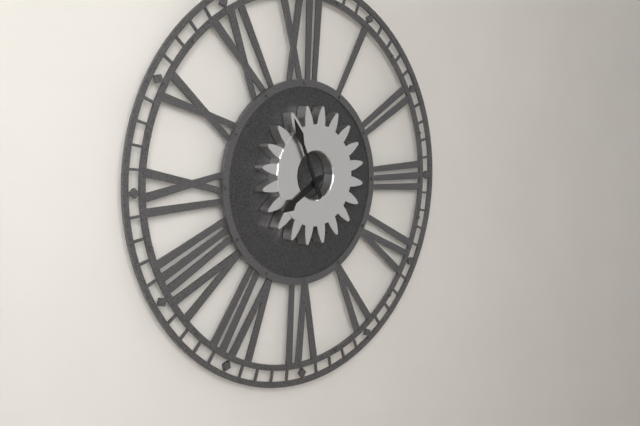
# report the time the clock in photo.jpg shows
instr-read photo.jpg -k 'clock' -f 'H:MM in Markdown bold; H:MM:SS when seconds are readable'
**7:56**
